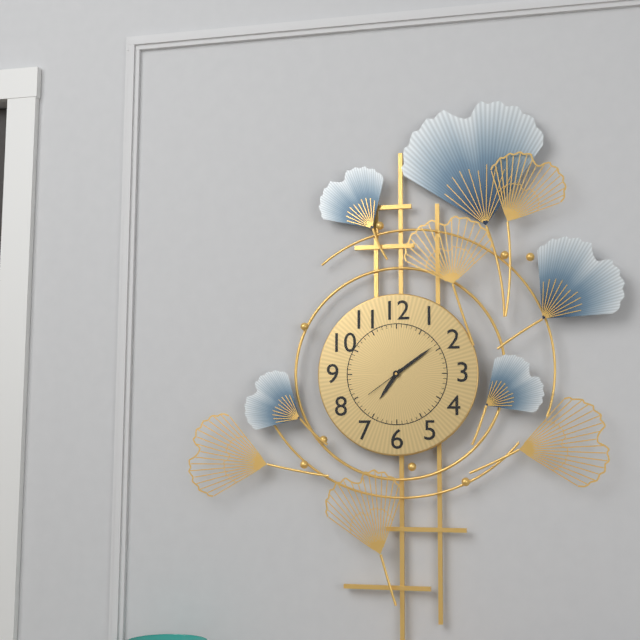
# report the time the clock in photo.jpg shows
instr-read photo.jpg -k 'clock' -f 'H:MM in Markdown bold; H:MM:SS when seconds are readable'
**7:09**
